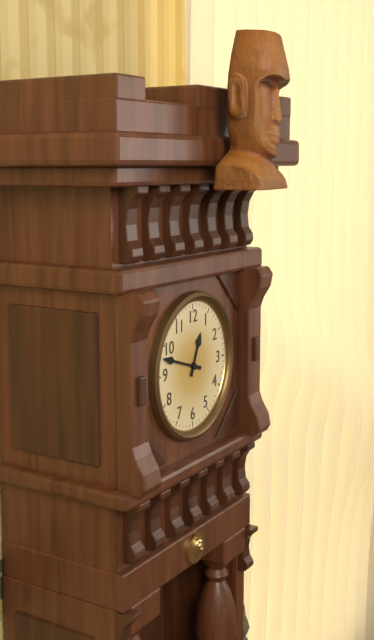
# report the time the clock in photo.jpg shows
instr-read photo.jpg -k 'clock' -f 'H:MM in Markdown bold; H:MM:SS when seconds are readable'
**12:48**
